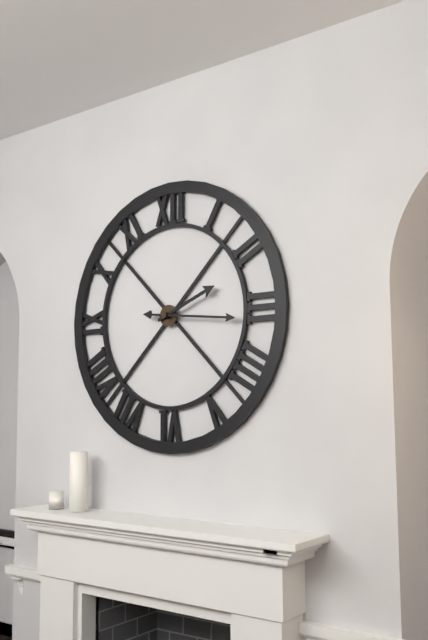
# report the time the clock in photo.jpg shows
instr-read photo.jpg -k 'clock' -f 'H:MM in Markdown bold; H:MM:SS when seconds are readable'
**2:16**
